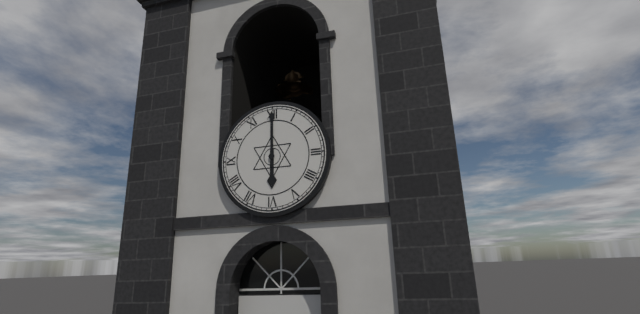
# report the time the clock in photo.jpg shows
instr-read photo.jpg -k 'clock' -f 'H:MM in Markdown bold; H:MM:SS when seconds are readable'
**6:00**
